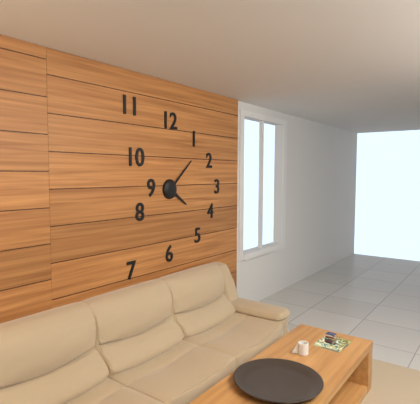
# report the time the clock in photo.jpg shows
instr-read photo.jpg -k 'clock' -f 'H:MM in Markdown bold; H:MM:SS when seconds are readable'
**4:08**
